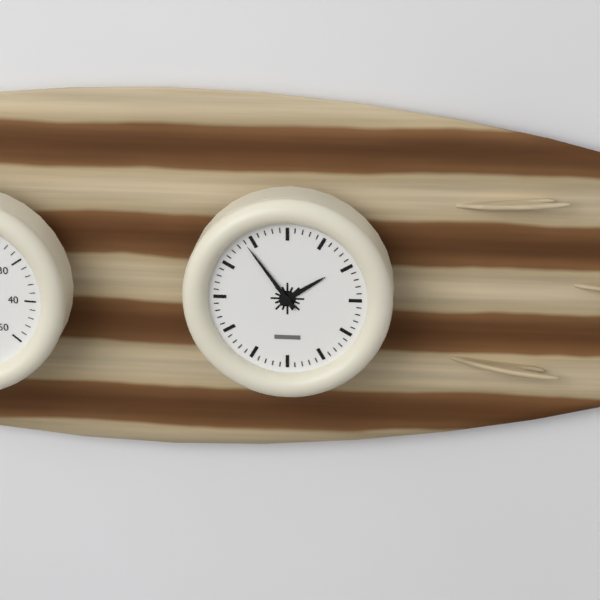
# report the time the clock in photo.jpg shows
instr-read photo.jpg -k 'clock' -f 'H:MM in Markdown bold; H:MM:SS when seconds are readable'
**1:54**
